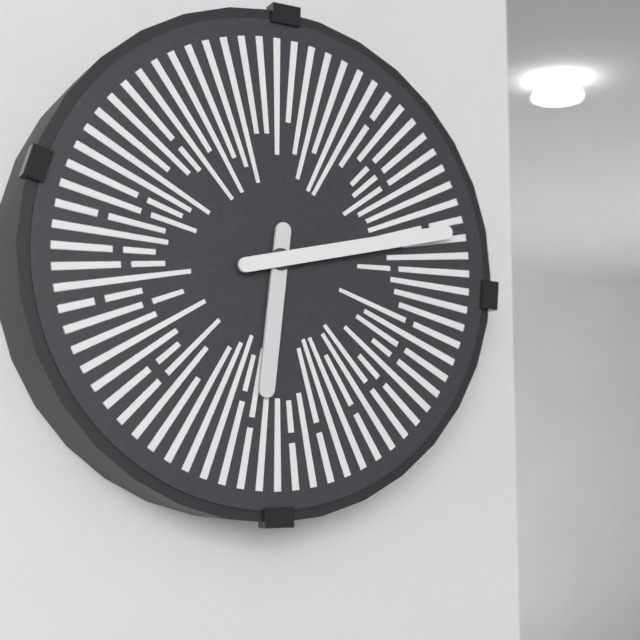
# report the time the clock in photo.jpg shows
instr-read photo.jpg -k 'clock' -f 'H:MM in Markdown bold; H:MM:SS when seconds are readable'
**6:13**
